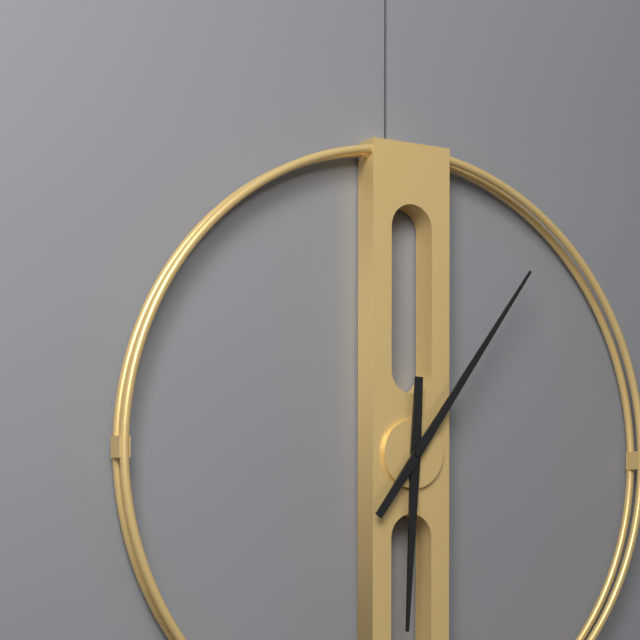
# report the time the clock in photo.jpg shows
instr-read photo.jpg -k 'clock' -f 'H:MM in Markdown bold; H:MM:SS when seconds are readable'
**6:06**
